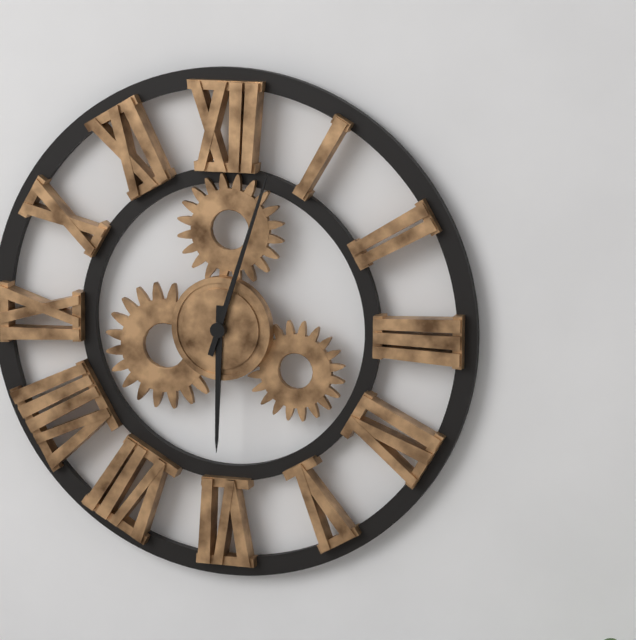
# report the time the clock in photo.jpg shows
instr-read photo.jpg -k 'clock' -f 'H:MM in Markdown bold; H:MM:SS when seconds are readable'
**6:03**
